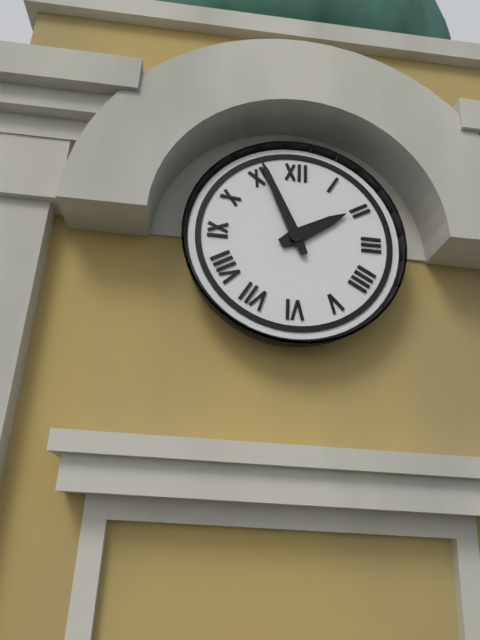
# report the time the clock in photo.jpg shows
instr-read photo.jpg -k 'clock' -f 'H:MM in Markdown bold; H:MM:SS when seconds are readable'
**1:56**
